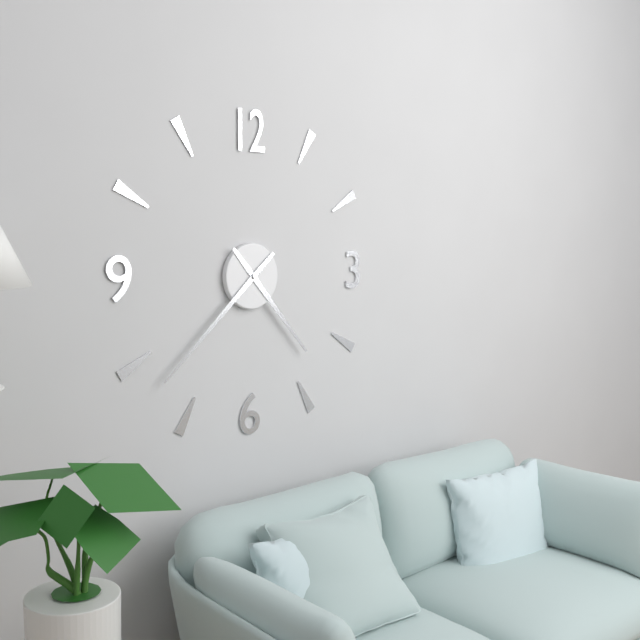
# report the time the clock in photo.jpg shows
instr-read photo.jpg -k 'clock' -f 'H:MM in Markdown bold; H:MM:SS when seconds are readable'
**4:38**
